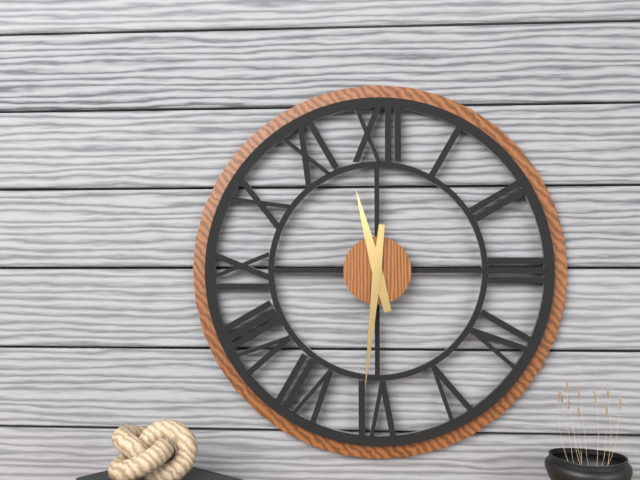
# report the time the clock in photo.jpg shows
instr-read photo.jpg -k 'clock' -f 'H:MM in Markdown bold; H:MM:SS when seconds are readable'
**11:31**
